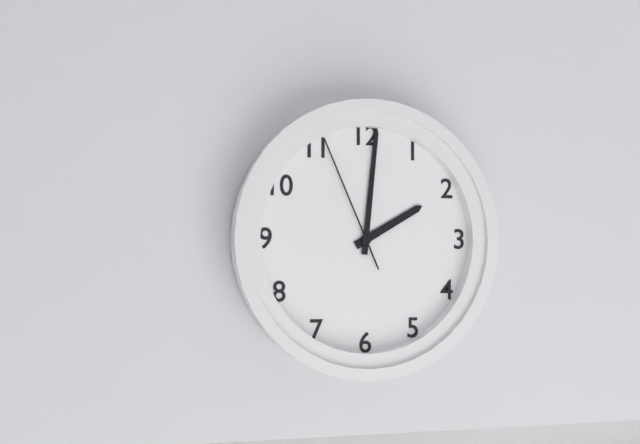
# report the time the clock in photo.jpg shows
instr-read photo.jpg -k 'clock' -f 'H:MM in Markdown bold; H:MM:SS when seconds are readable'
**2:01:56**
